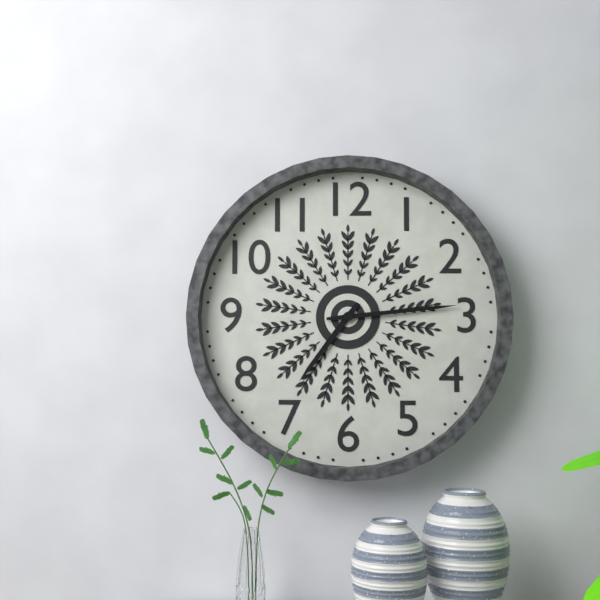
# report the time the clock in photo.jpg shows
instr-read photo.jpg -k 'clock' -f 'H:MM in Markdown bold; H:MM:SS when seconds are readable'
**7:14**
